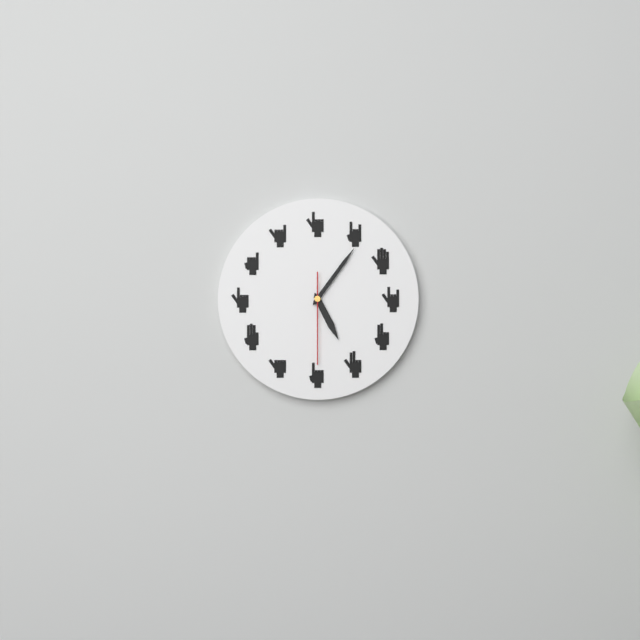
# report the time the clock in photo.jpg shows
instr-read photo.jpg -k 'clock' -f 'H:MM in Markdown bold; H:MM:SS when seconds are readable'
**5:06:30**
